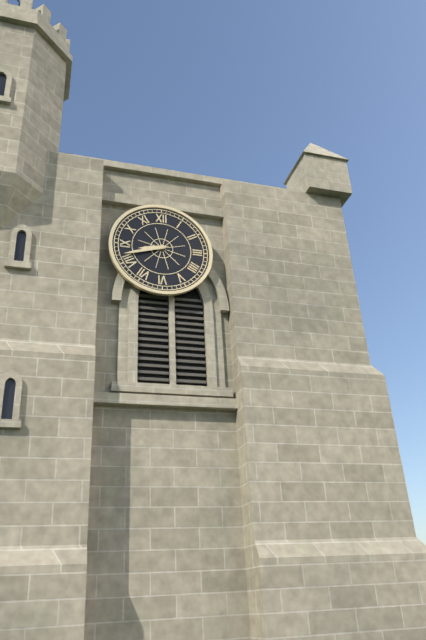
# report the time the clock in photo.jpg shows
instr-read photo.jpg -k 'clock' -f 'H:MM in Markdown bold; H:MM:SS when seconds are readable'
**8:42**
